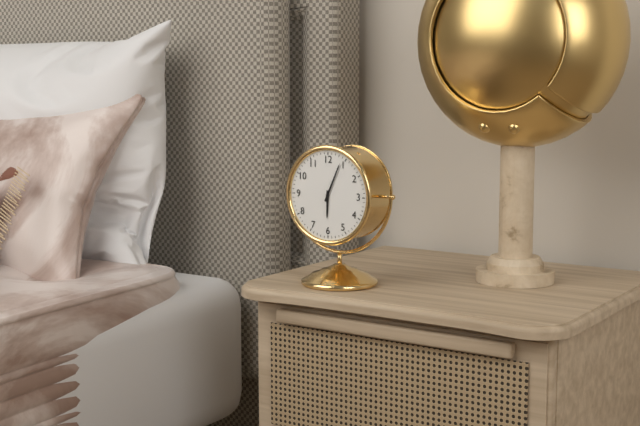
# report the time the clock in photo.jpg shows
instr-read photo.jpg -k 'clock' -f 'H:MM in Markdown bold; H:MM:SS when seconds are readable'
**6:04**
